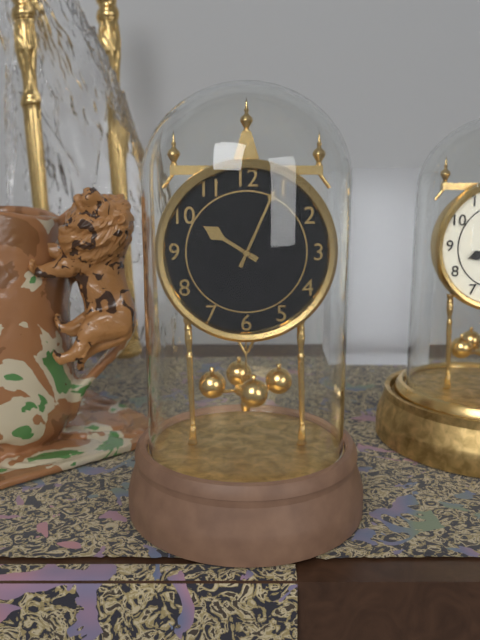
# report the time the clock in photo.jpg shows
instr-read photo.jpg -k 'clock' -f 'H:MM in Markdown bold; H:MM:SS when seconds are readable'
**10:04**
